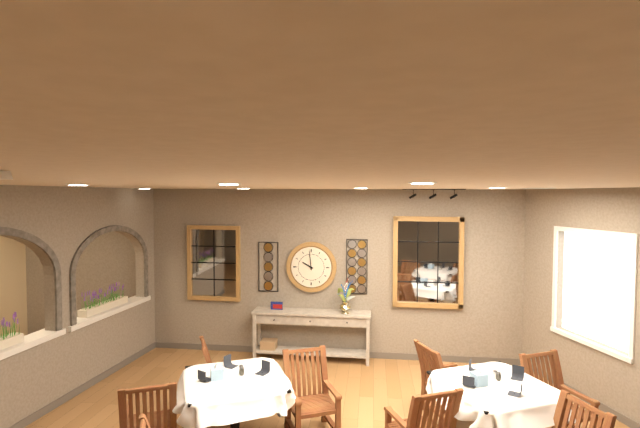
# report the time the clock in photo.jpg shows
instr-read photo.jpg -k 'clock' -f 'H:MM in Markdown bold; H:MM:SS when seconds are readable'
**9:59**
